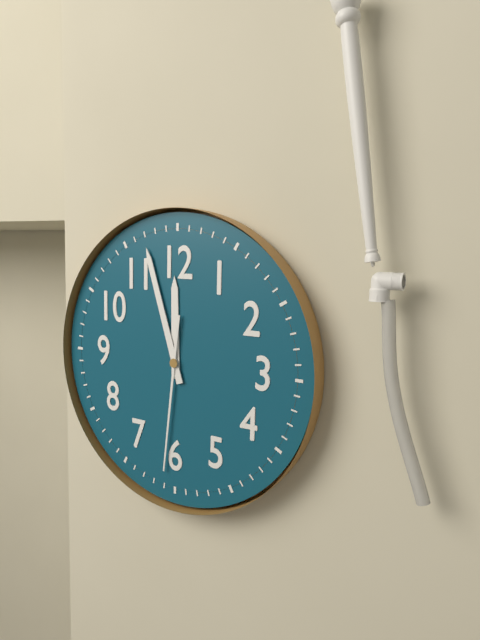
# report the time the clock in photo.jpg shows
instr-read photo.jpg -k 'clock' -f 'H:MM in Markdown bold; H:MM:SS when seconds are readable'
**11:57:31**
